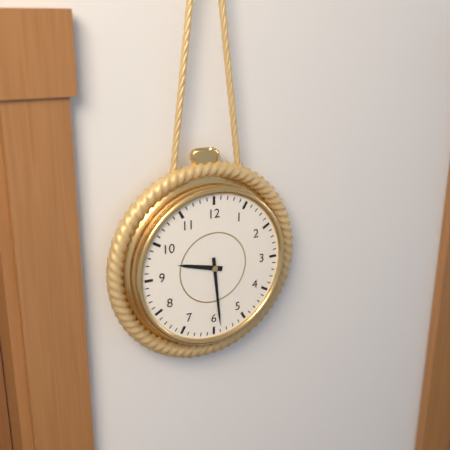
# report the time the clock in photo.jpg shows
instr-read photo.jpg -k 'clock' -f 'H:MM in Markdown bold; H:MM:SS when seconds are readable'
**9:29**
